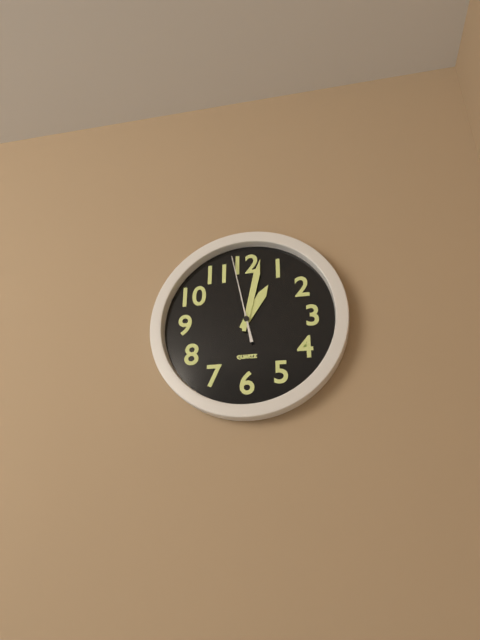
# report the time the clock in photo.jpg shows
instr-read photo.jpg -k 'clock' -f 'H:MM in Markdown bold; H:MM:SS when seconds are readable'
**1:02:58**
